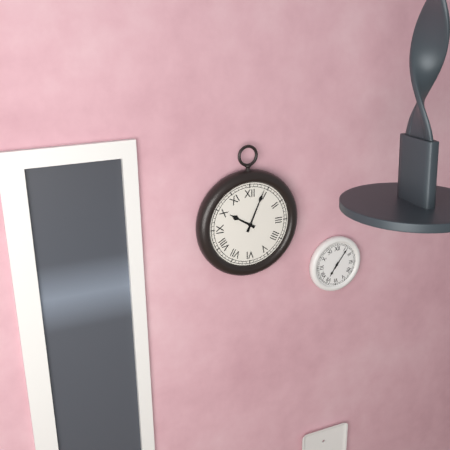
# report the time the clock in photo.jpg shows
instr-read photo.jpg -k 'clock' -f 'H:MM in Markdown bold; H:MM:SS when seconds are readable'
**10:04**
